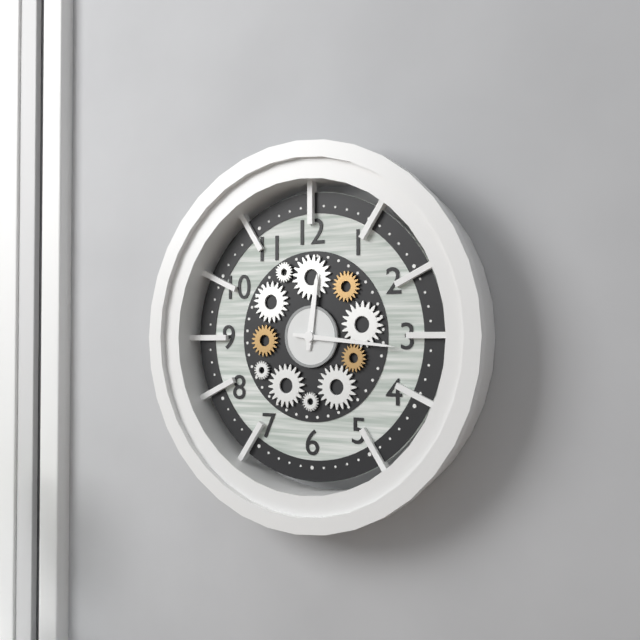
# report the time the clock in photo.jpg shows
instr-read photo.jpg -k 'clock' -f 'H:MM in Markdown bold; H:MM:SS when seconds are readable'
**12:16**
